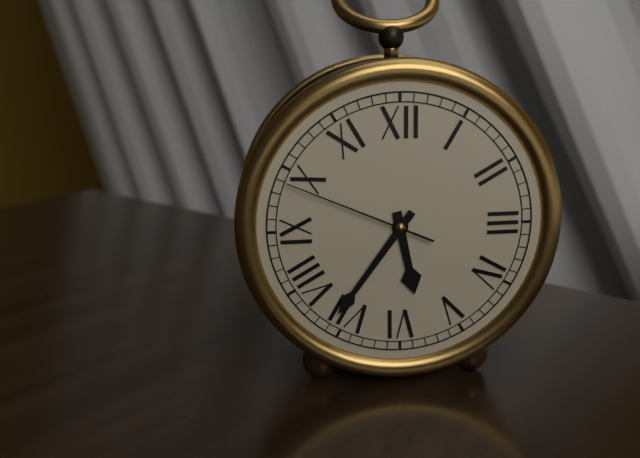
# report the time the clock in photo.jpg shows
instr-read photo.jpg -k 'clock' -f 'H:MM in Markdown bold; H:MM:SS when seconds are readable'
**5:36:49**
